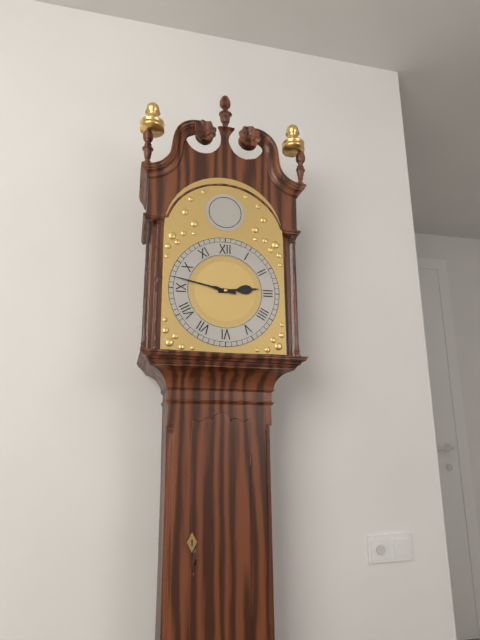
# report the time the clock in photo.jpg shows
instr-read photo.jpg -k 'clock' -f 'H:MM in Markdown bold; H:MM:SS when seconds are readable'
**2:47**
